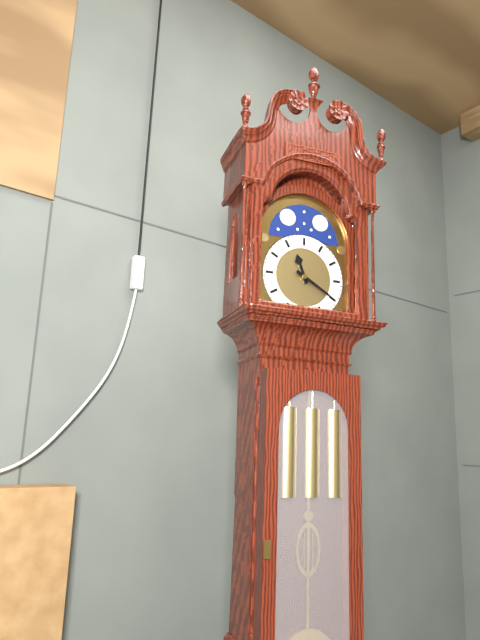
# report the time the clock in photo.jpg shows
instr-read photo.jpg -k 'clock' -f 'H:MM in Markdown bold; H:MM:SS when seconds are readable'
**11:20**
